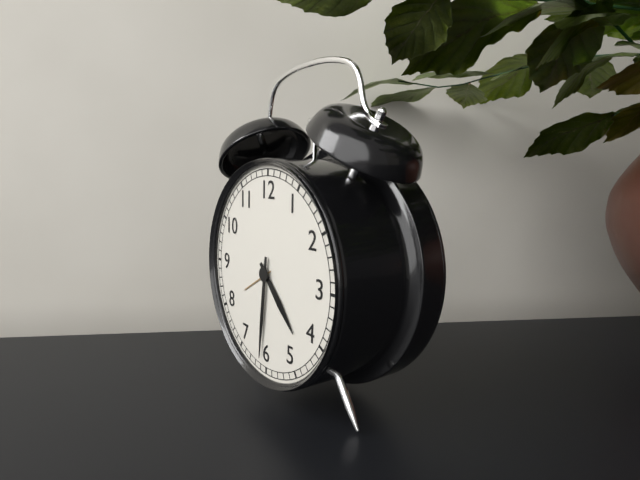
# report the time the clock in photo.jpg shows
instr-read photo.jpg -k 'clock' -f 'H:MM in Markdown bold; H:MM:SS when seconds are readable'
**4:31**
